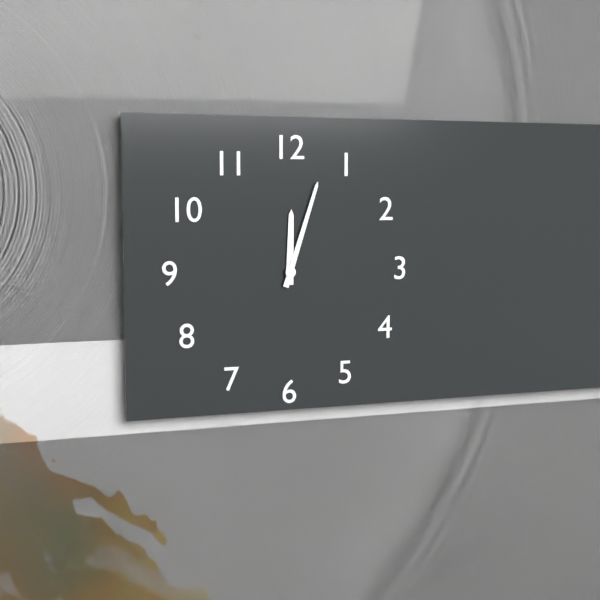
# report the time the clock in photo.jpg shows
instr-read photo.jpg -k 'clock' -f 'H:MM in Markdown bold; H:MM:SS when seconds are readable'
**12:03**
